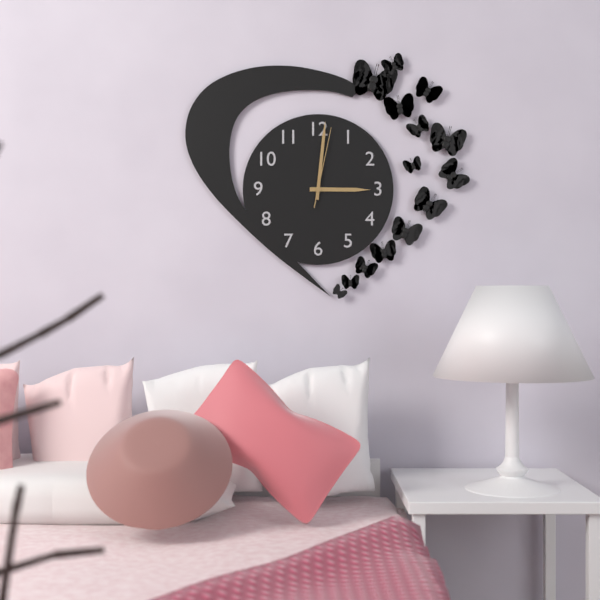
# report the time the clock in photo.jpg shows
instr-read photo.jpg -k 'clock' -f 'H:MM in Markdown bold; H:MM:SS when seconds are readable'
**3:01:02**
